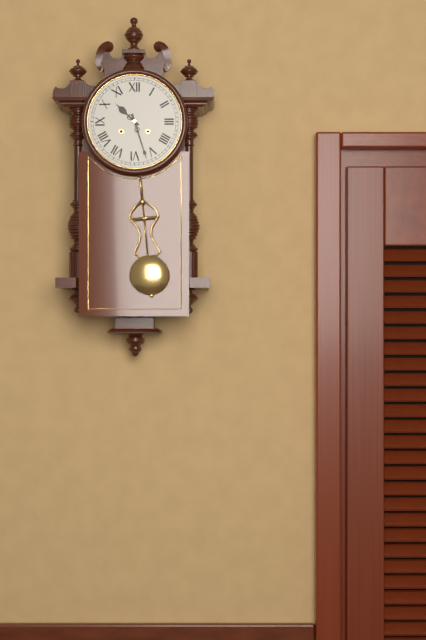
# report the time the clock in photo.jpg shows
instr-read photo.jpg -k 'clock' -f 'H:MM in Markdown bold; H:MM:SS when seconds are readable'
**10:27**
